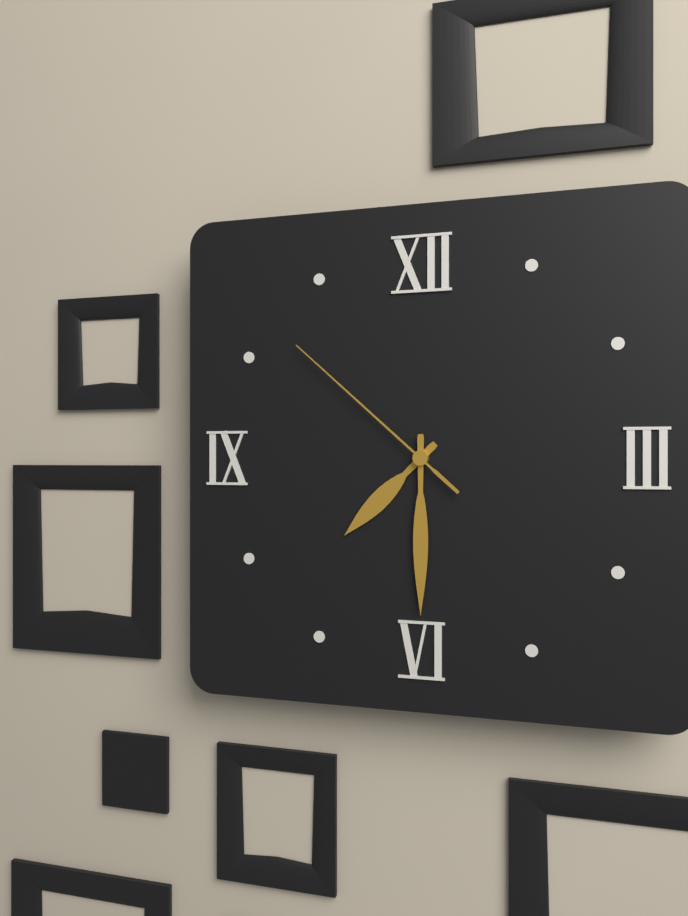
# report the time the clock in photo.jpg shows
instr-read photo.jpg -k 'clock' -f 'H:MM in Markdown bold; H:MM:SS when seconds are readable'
**7:30:52**
